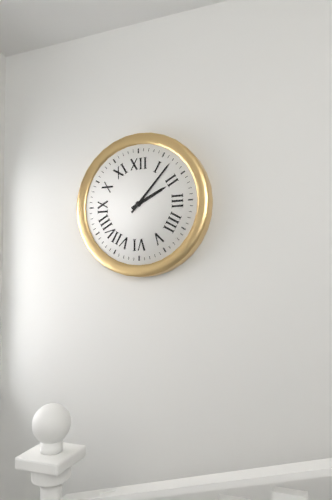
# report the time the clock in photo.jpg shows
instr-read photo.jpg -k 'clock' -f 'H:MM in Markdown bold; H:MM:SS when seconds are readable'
**2:07**
